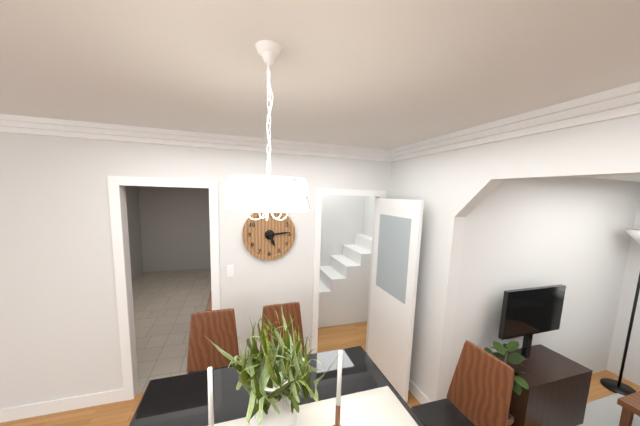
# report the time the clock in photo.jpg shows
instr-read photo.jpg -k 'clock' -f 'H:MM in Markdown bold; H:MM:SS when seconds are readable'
**5:14**
